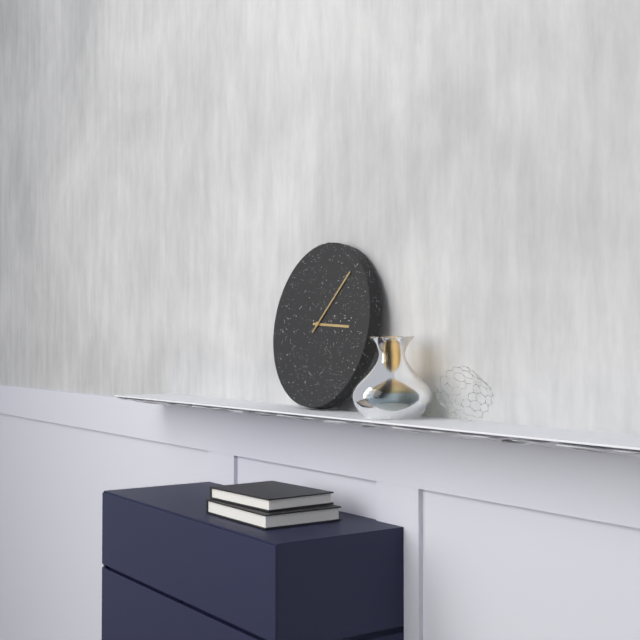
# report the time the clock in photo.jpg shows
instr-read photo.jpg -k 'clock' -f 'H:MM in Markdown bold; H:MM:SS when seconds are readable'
**3:07**
